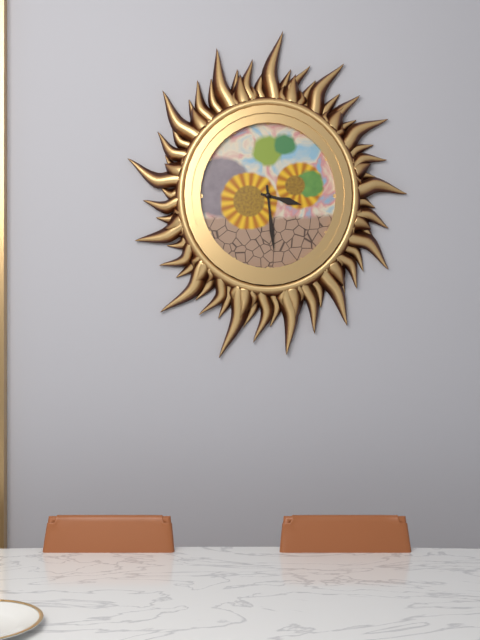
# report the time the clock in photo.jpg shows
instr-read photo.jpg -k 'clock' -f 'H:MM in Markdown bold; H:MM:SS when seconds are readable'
**3:29**
